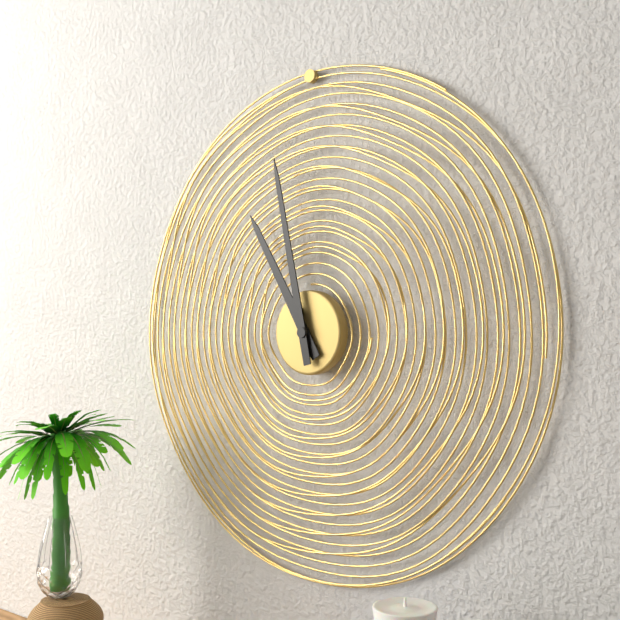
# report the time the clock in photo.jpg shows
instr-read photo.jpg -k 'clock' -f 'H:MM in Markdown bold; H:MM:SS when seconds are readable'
**10:58**
